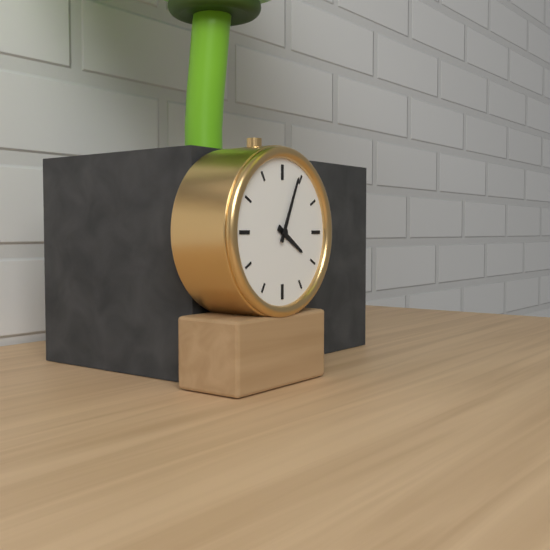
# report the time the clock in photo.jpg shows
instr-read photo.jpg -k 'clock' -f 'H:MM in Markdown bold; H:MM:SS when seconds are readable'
**4:04**
